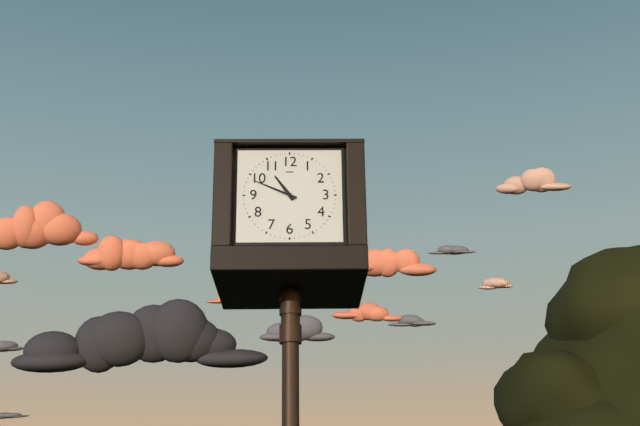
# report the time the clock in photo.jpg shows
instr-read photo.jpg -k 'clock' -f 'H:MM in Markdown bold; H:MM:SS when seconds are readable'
**10:49**
